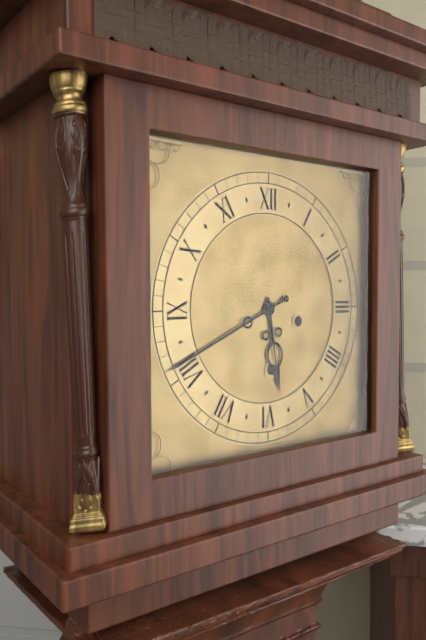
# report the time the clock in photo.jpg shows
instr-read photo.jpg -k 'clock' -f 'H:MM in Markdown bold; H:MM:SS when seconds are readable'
**5:41**
